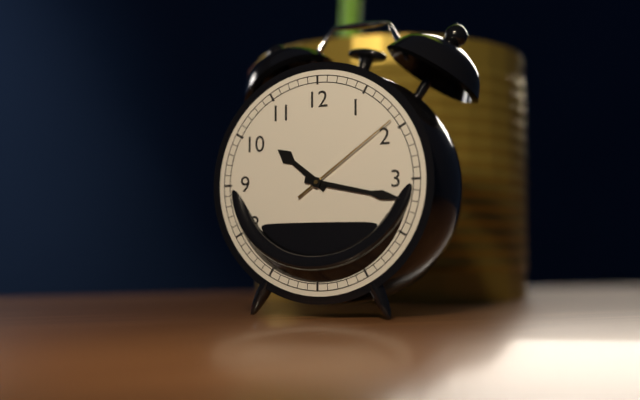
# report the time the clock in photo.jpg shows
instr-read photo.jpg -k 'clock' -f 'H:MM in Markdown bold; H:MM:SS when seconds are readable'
**10:17:09**
